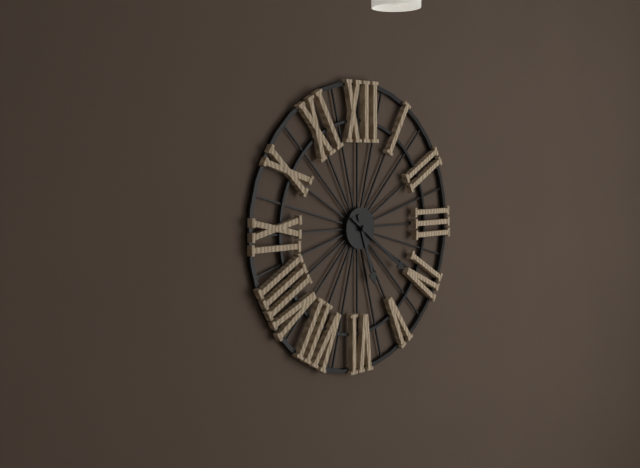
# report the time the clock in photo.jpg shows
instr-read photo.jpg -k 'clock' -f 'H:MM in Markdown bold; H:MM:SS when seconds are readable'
**5:21**
